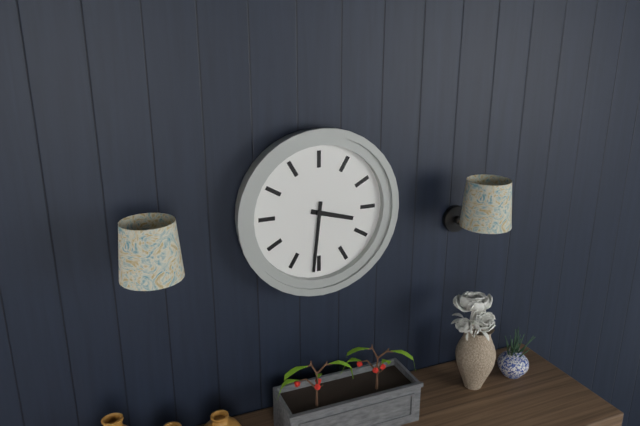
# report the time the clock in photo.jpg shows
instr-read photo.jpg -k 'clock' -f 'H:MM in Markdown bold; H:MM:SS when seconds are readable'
**3:31**
